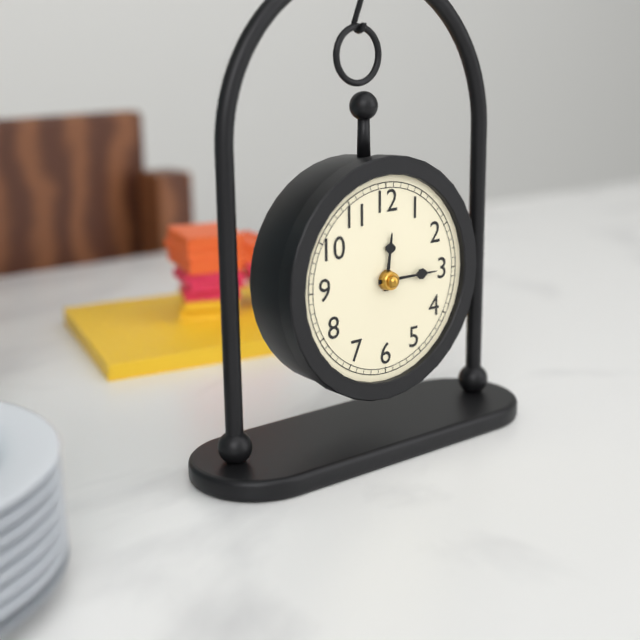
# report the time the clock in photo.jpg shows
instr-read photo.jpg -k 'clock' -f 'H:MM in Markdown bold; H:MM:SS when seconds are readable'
**12:15**
